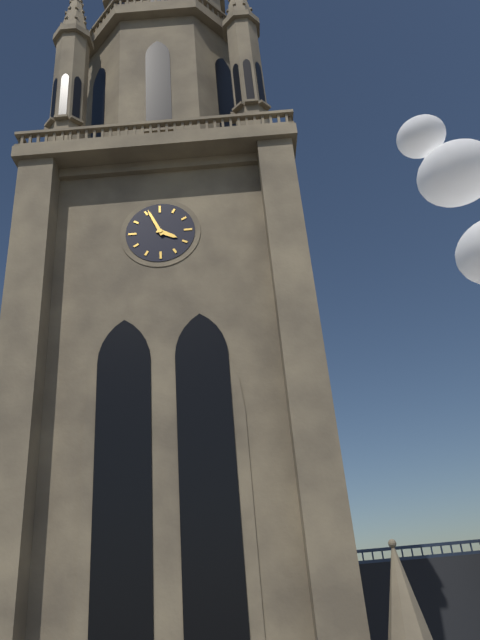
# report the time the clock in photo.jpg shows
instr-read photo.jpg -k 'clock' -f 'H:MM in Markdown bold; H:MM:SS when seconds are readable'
**3:56**
